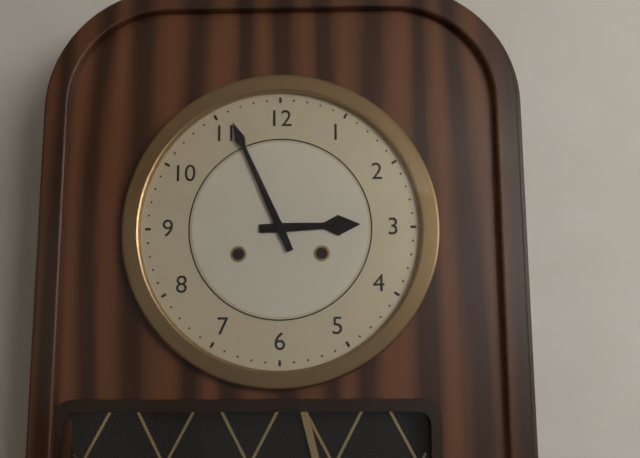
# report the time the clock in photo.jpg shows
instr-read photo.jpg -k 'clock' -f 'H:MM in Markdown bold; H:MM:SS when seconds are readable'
**2:56**
